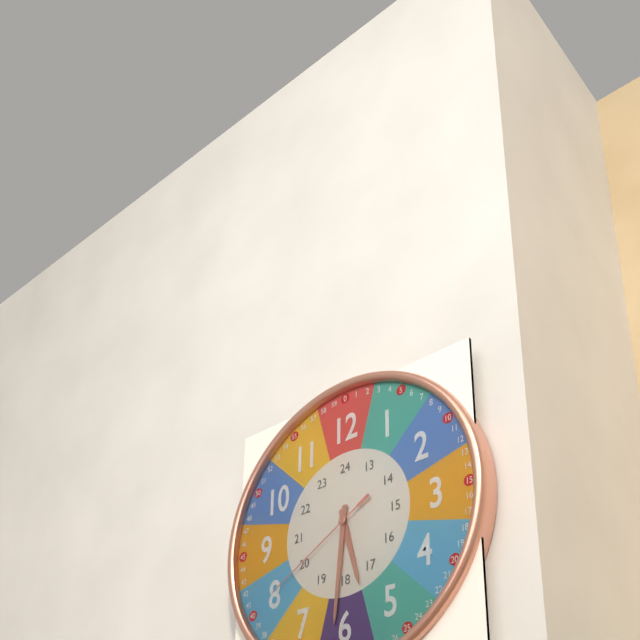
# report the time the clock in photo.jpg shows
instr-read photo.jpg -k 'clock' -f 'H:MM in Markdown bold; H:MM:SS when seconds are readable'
**5:31:40**
